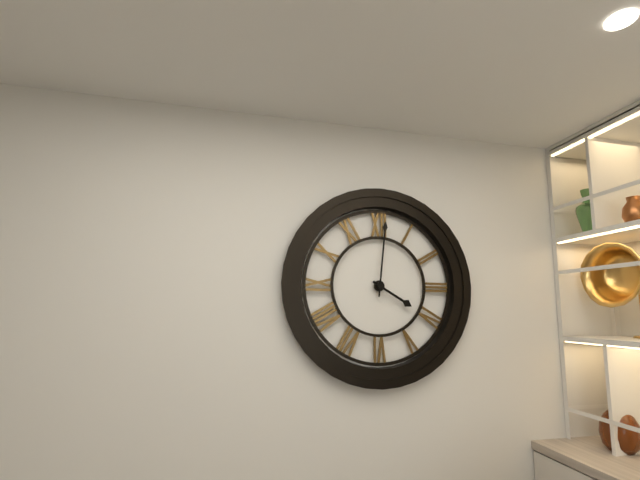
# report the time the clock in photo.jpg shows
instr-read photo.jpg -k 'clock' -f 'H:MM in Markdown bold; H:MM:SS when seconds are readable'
**4:01**
